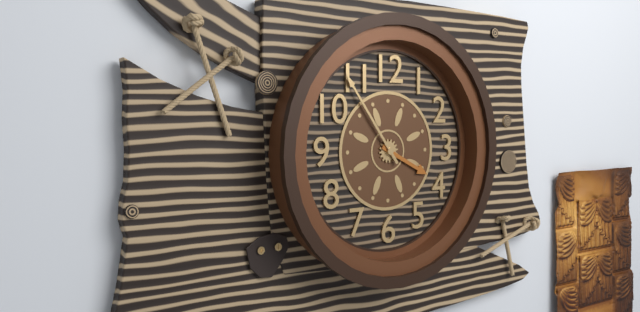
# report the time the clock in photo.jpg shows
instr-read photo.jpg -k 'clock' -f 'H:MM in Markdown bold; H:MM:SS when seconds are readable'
**3:54**
